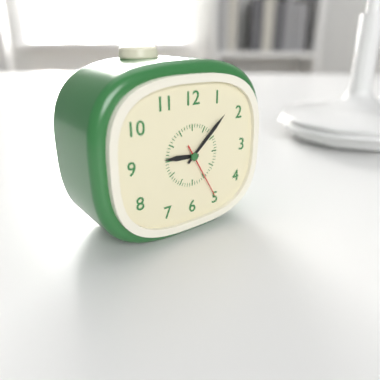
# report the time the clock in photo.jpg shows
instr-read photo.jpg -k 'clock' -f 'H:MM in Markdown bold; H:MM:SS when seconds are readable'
**9:08:25**
